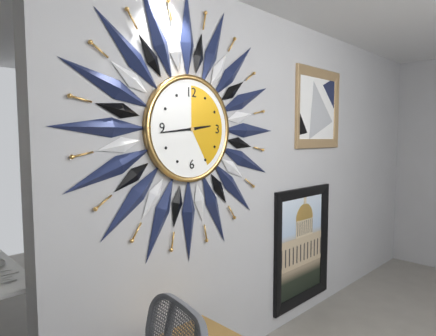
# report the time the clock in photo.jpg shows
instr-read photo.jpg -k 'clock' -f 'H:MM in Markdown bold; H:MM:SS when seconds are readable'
**2:44**
